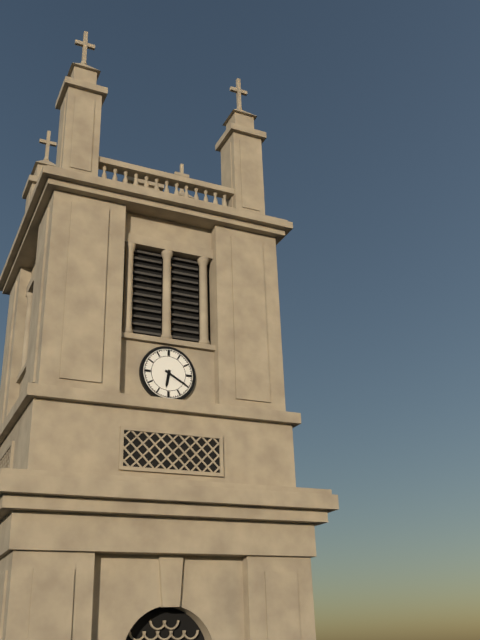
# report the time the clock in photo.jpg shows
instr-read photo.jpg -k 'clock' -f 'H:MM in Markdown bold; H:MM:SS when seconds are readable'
**6:20**
